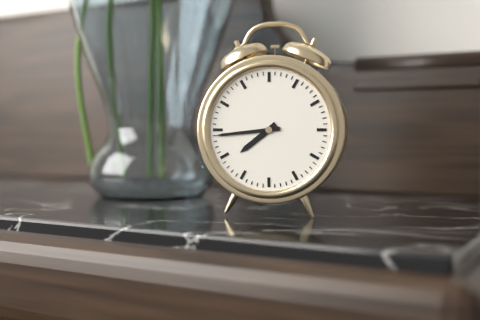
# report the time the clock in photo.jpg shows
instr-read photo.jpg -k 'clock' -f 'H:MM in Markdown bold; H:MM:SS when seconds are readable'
**7:44**
